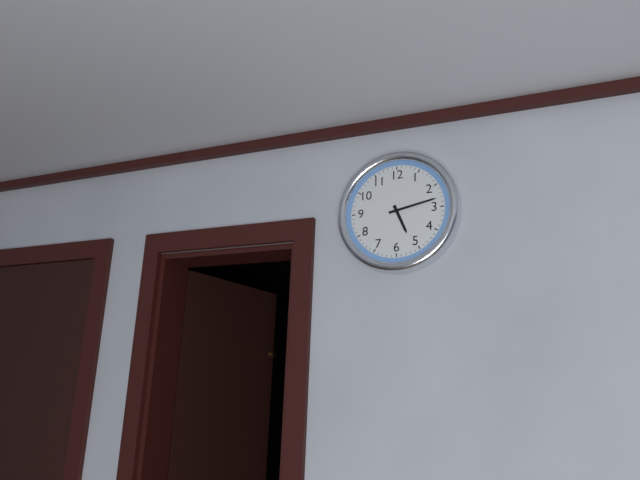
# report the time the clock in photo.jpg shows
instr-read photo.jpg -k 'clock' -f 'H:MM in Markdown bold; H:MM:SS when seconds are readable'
**5:13**
